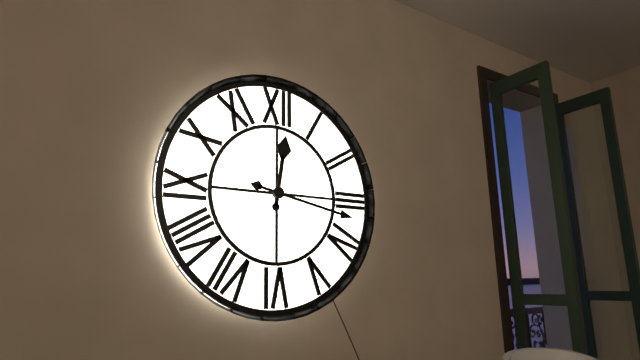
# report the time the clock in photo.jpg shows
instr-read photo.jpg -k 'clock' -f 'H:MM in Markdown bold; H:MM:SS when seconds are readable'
**12:17**
